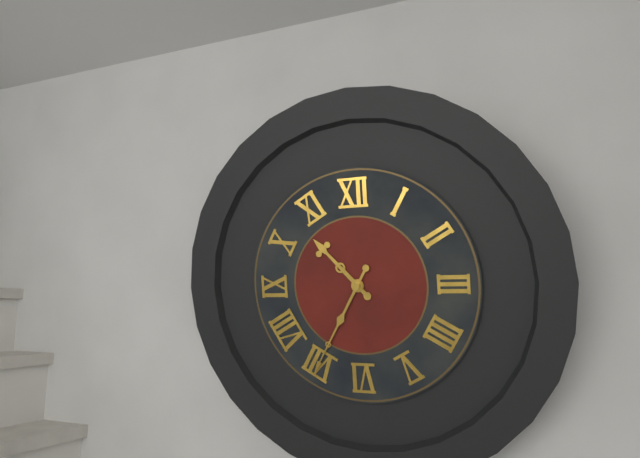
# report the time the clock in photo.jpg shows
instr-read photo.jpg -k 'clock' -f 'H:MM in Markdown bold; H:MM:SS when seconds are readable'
**10:35**
